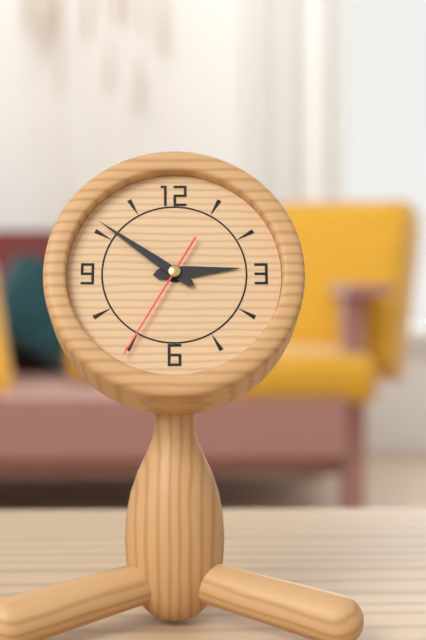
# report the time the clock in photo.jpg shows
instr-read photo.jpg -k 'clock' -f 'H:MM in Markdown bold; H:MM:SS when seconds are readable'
**2:51:35**
